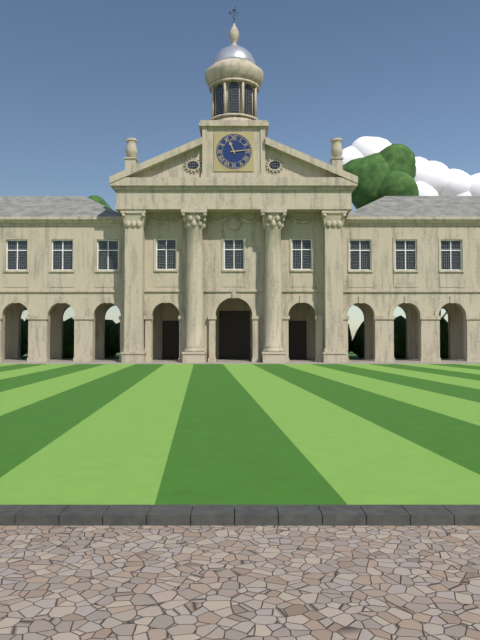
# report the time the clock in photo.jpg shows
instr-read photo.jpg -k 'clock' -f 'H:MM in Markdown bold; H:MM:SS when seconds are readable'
**11:14**
